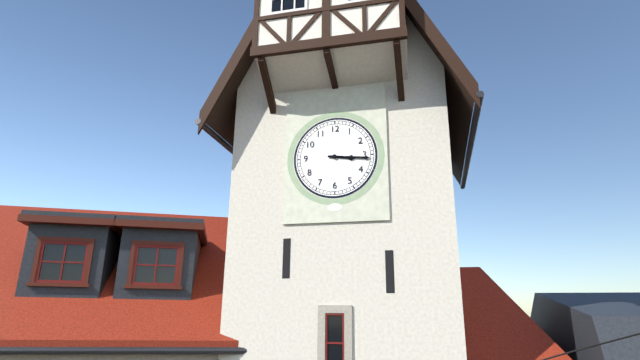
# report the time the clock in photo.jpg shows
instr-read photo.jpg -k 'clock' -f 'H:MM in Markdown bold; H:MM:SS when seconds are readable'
**3:16**
